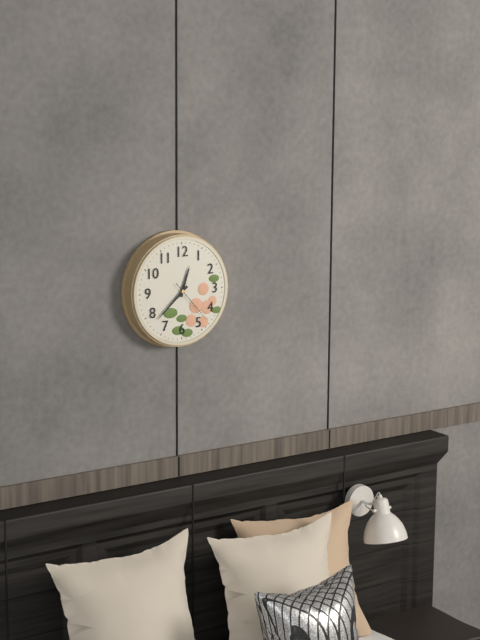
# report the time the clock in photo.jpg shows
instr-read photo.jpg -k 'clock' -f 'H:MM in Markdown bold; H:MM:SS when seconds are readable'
**12:38**
